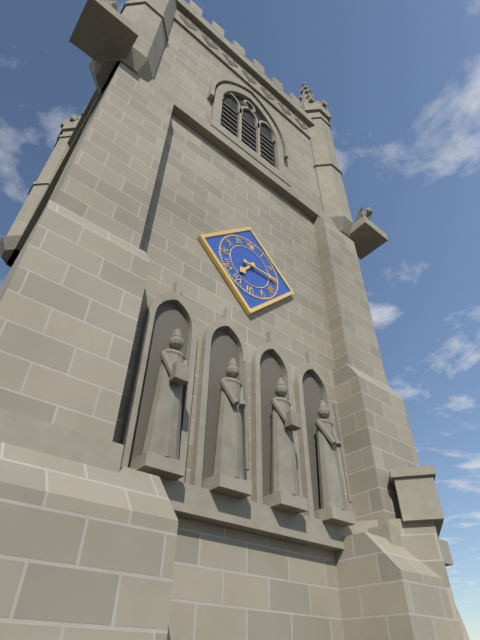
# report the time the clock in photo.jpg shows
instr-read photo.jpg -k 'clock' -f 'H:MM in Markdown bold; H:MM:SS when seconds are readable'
**7:15**
